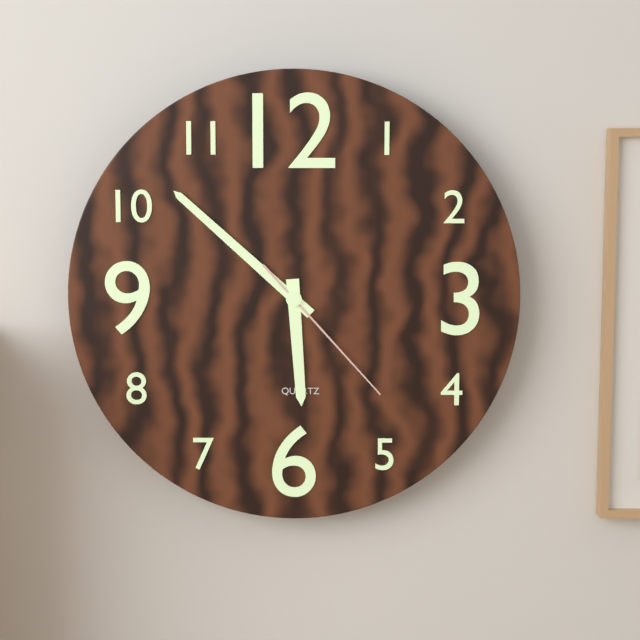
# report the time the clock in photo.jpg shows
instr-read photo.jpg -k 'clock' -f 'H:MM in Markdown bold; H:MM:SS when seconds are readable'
**5:52:23**
